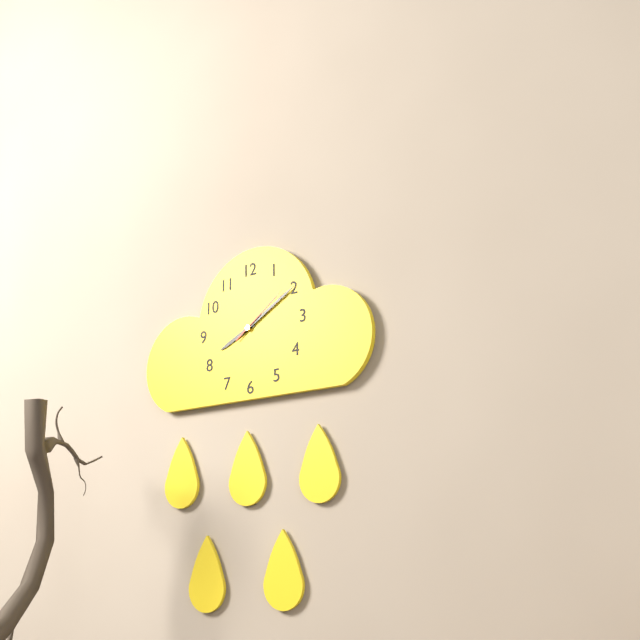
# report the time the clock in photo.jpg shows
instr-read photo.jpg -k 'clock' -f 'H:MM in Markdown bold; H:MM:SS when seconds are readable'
**8:10:09**
